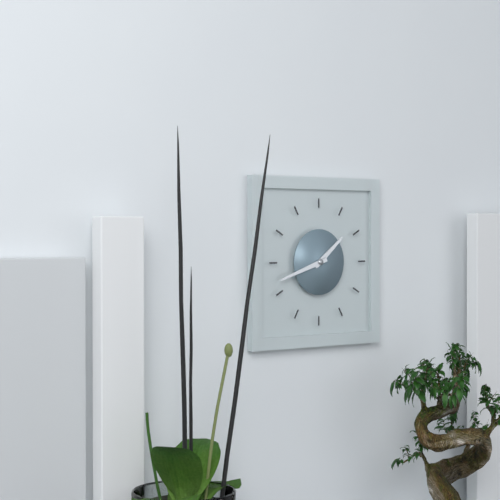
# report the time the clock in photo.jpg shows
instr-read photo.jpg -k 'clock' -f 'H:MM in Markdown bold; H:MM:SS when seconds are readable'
**1:42**
